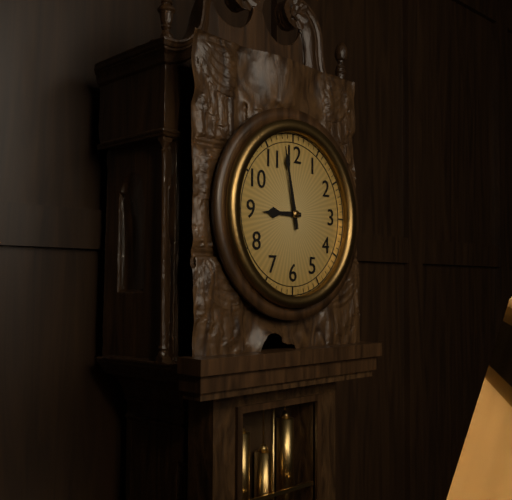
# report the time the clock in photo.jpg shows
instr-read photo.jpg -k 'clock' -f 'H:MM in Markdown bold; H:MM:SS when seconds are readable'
**8:58**
